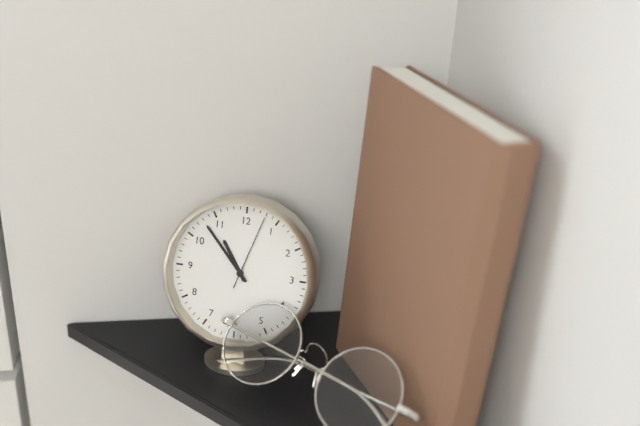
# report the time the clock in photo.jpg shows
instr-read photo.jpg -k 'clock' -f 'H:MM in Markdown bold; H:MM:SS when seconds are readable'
**10:53:03**
